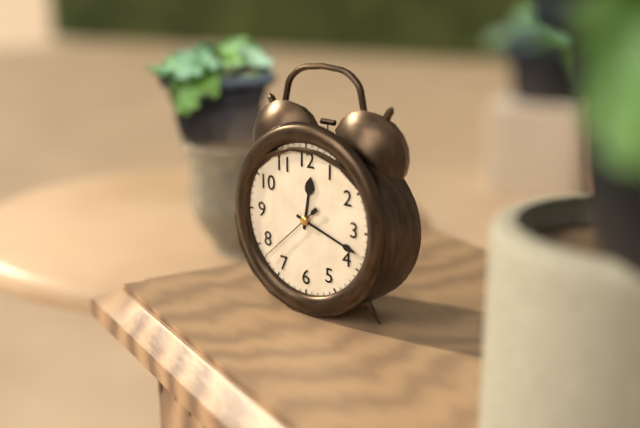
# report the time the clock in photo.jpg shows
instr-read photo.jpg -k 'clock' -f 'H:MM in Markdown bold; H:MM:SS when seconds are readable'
**12:18:38**
